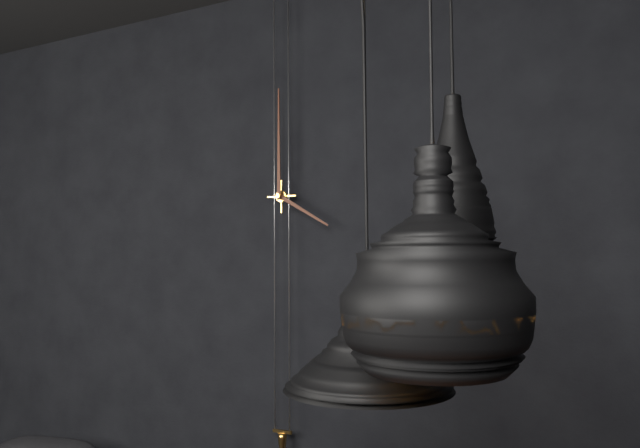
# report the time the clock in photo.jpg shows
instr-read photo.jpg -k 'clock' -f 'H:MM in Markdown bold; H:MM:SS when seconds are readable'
**4:00**
